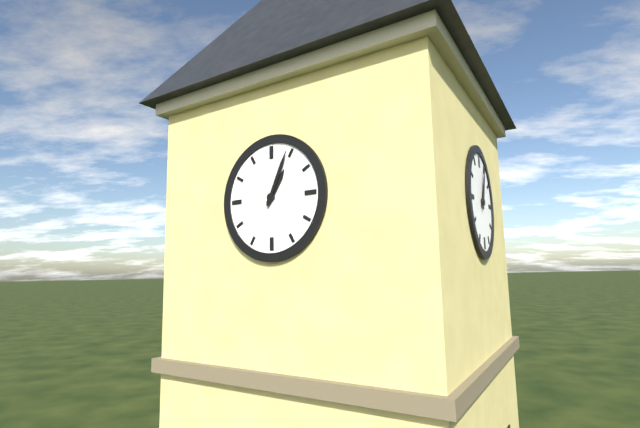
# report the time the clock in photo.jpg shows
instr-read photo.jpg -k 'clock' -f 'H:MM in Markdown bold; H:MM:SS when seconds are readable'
**1:04**
